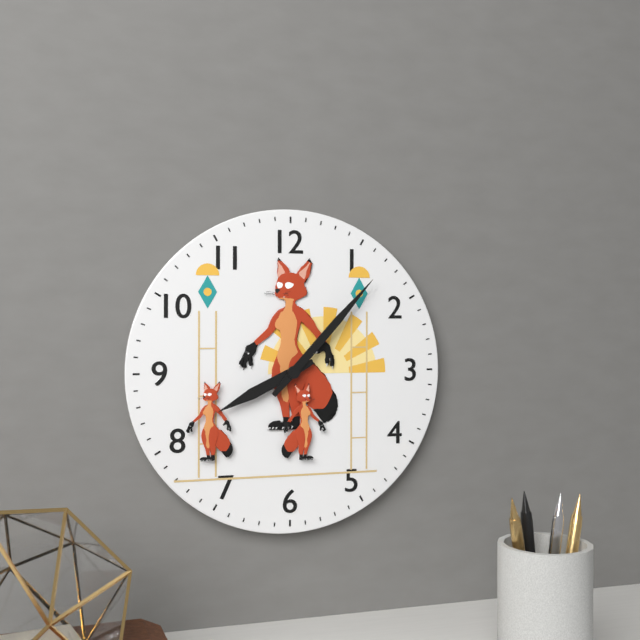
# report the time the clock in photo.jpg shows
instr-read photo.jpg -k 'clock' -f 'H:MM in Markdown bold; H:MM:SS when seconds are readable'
**8:07**
